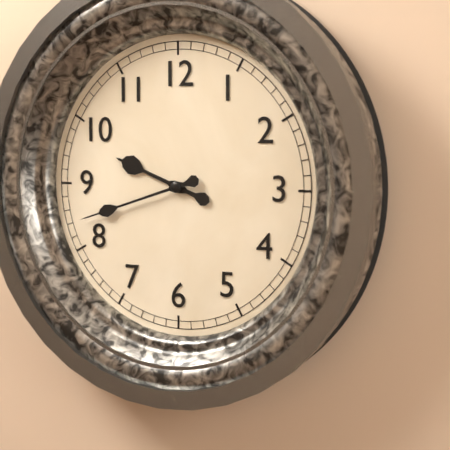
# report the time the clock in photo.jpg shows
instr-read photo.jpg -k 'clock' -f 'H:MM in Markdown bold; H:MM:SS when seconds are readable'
**9:42**
